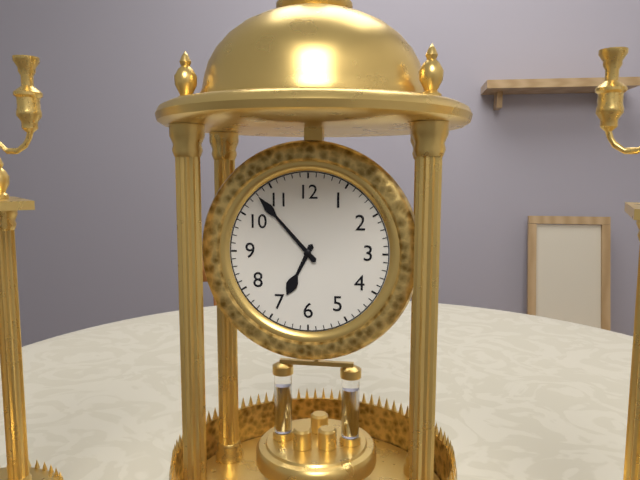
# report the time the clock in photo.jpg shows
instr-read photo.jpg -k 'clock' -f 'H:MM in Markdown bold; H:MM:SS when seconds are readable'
**6:53**
